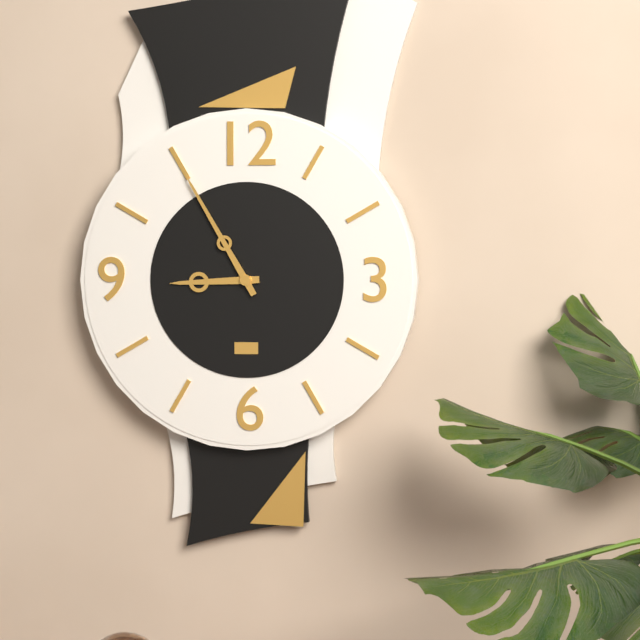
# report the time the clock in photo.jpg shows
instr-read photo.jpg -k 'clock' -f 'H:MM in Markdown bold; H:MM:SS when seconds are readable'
**8:55**
